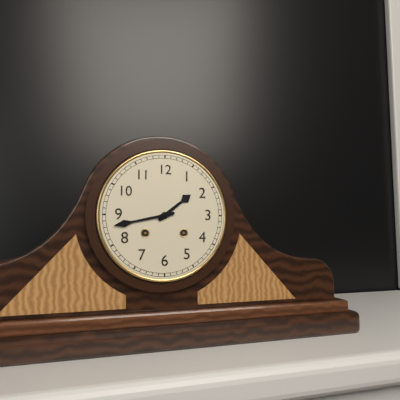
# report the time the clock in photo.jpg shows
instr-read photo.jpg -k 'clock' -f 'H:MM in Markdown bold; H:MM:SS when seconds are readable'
**1:43**
